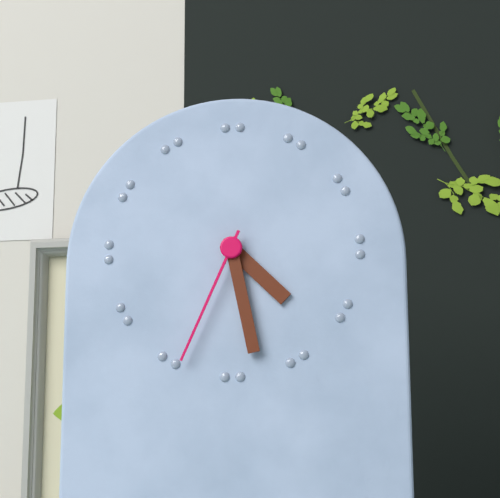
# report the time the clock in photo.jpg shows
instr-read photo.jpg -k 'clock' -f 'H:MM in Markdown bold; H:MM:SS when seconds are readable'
**4:28:34**
